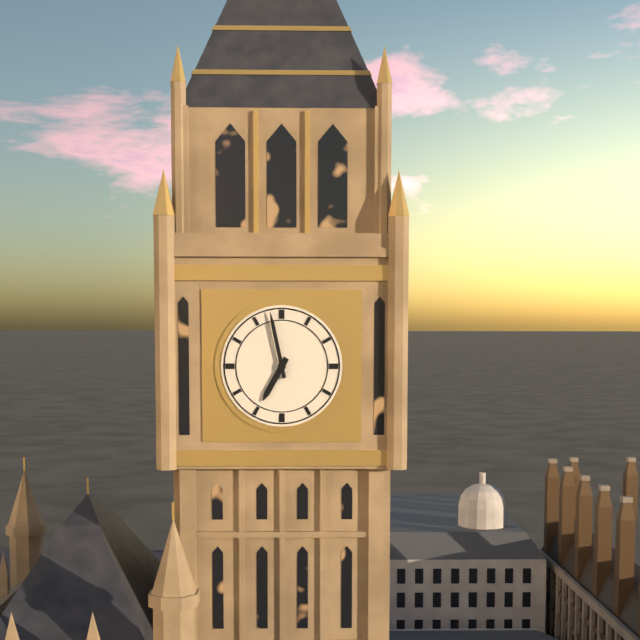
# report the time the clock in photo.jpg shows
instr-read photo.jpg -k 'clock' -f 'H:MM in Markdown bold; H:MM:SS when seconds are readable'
**6:58**
